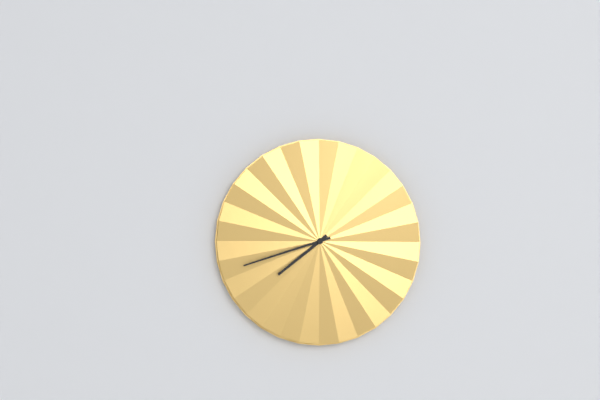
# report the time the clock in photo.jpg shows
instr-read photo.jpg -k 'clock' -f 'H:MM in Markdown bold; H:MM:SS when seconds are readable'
**7:42**
